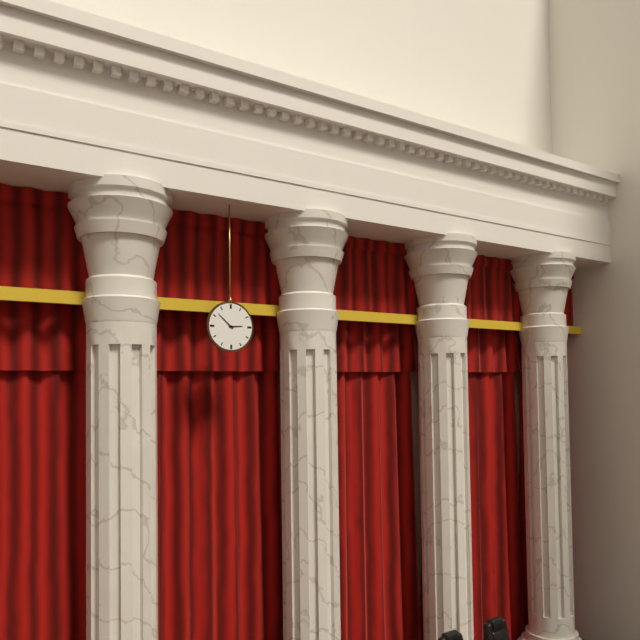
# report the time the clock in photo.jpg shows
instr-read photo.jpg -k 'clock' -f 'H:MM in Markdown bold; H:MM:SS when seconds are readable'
**2:52**
